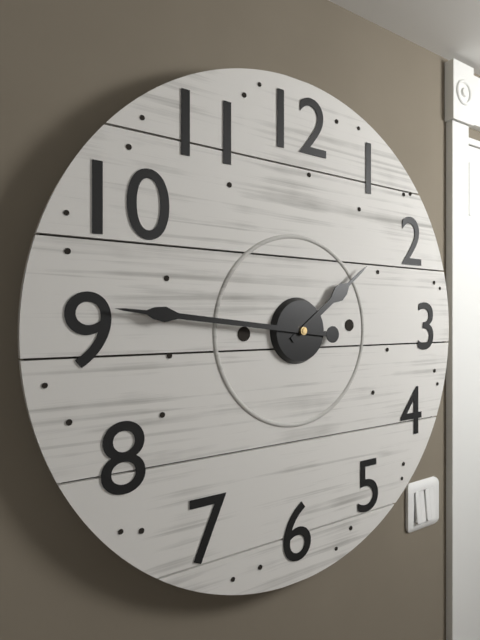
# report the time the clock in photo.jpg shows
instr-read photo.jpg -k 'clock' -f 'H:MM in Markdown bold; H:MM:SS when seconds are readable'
**1:46**
